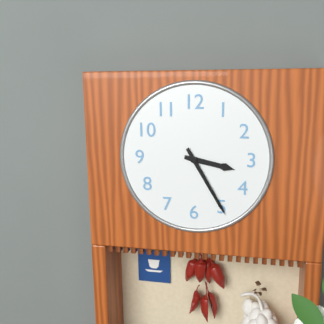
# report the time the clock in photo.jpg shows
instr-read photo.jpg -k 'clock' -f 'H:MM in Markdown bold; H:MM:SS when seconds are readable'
**3:25**
